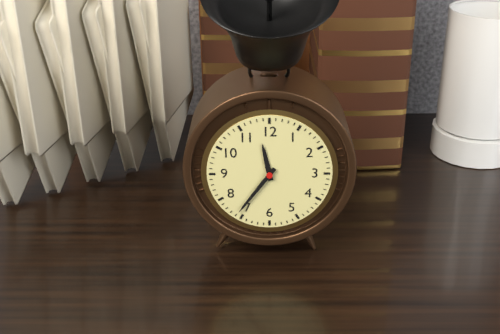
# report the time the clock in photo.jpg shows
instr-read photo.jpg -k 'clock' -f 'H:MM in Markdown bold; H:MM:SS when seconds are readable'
**11:36**
